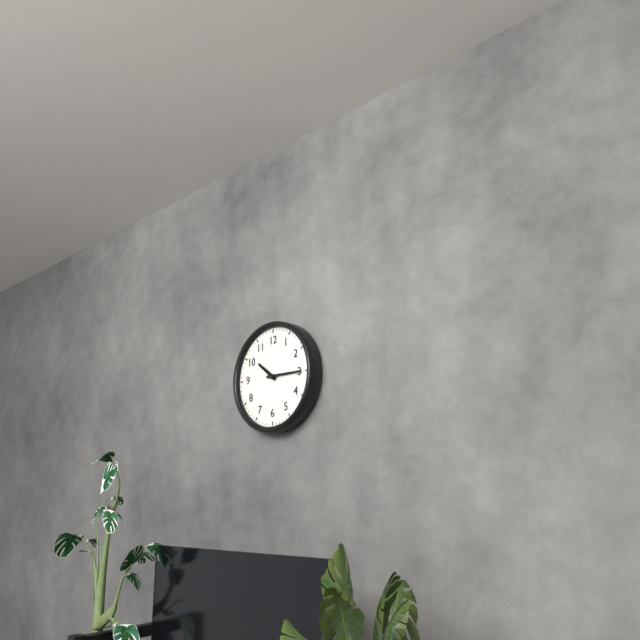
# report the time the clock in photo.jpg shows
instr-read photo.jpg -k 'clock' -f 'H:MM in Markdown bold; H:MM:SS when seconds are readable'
**10:15**
